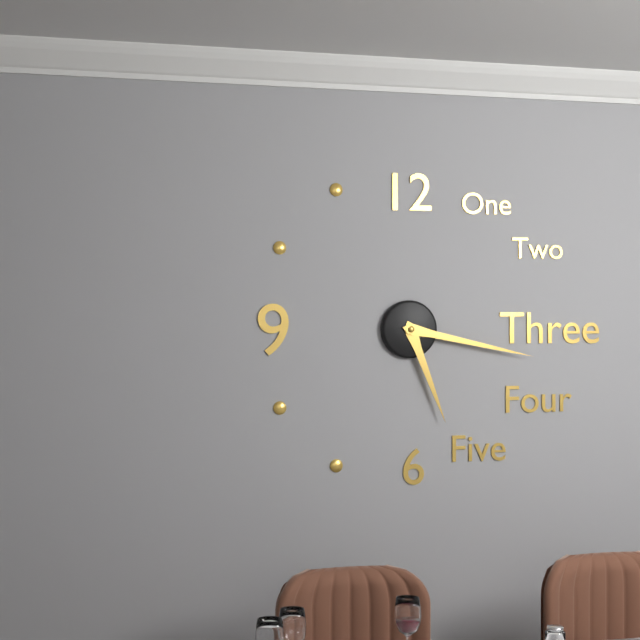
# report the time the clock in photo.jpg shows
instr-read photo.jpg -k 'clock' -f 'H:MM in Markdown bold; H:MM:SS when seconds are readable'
**5:17**
